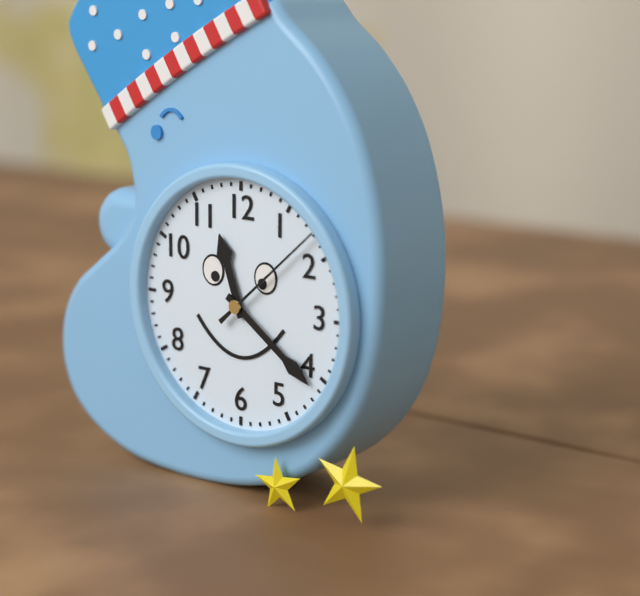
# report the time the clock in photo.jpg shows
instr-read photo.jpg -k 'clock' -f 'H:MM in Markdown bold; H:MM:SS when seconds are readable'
**11:21:08**
